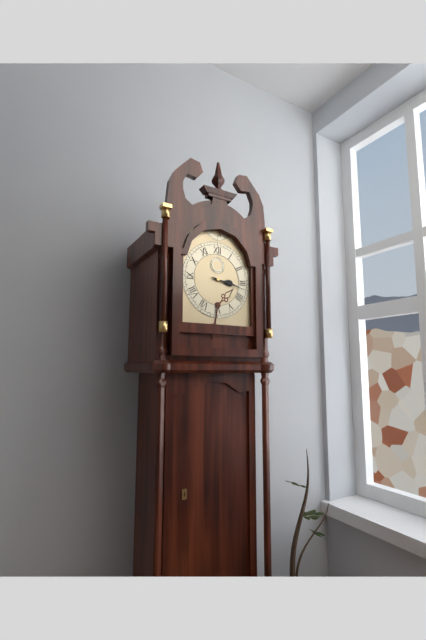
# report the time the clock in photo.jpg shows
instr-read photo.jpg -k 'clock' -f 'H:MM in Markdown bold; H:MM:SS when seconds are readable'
**3:17**
